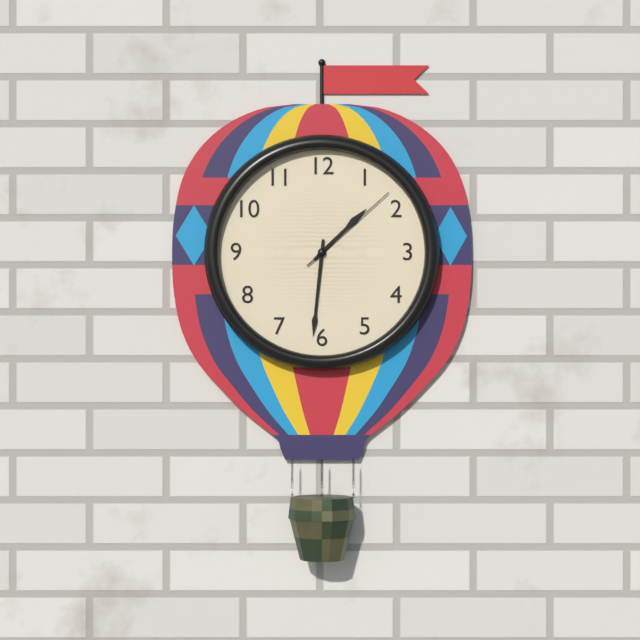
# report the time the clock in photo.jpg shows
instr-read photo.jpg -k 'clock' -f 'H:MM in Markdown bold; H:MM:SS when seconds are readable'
**1:31:08**
